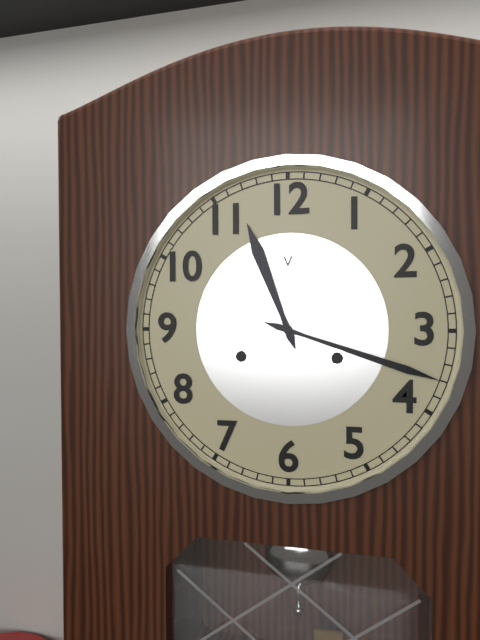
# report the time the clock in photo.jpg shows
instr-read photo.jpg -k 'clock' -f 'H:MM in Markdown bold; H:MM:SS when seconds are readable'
**11:18**
